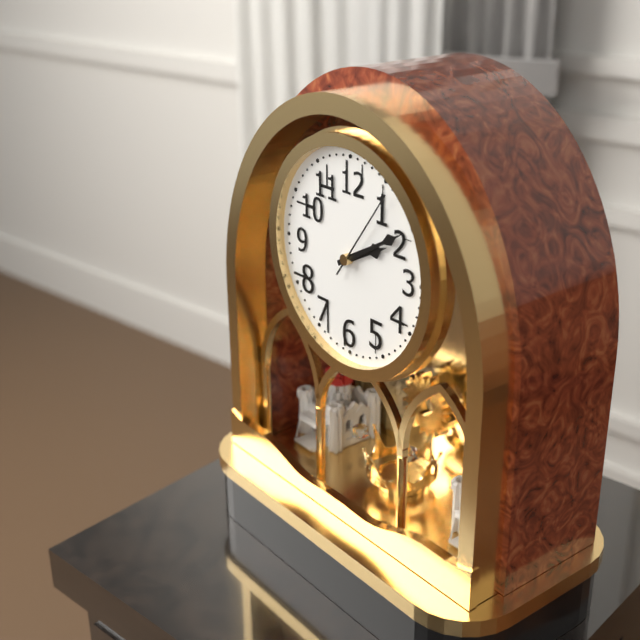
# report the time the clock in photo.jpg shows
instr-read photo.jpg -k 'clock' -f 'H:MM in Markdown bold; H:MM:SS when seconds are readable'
**2:10:06**
